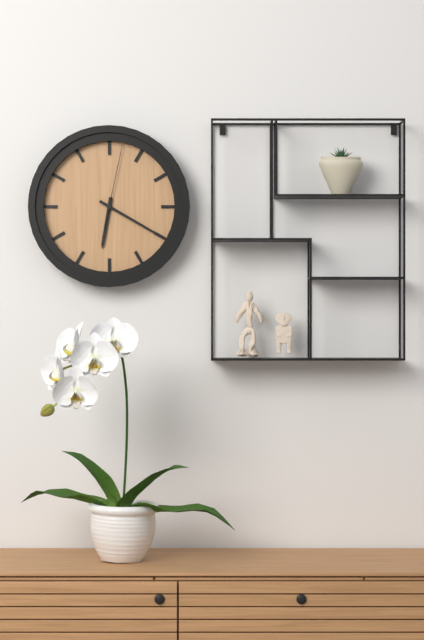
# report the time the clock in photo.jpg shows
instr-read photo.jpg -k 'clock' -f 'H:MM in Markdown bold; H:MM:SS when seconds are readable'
**6:20:02**
